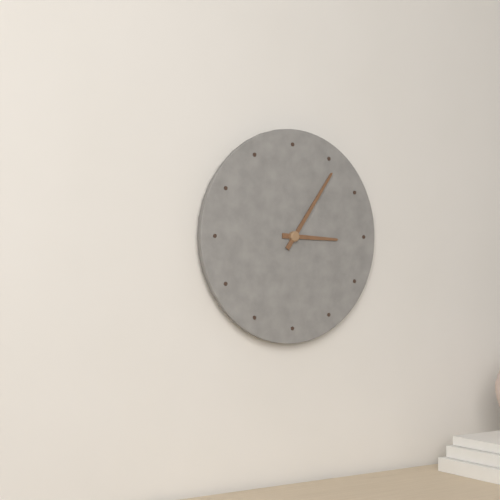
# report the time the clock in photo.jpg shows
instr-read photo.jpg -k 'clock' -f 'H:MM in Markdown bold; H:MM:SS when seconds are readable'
**3:06**
